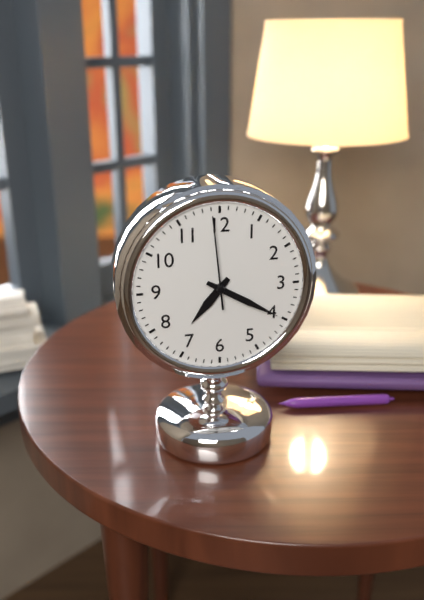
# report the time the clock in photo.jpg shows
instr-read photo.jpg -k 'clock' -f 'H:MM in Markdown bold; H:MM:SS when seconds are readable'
**7:20:59**
